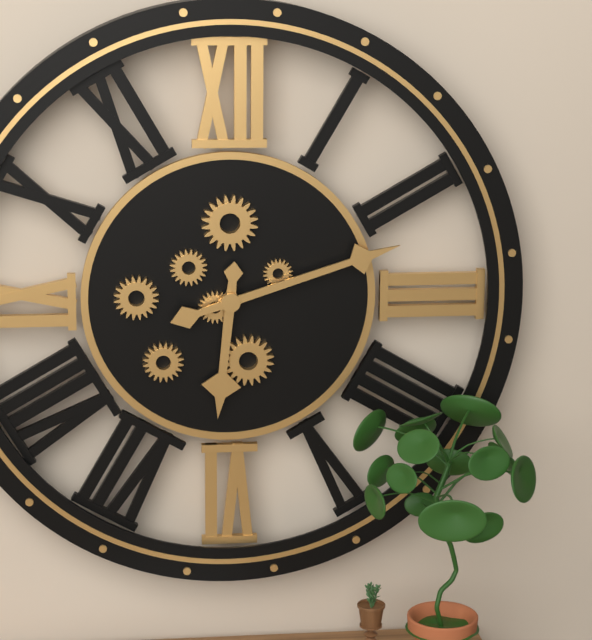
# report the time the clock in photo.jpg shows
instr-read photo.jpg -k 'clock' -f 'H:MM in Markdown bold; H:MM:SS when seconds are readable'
**6:12**
